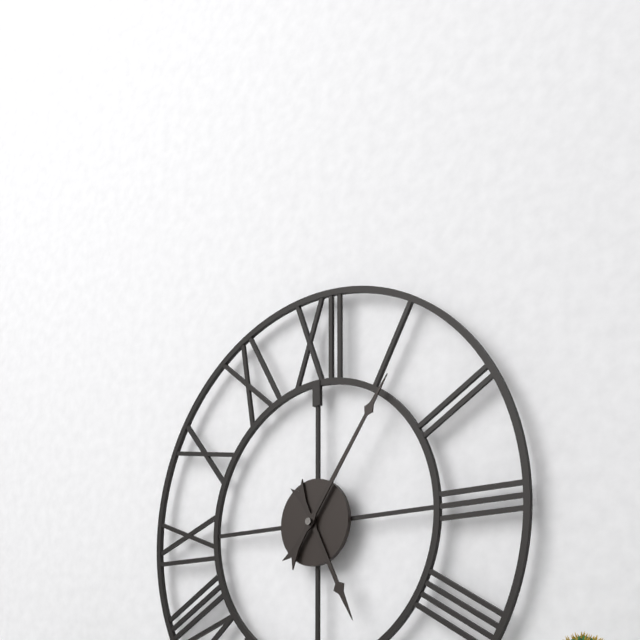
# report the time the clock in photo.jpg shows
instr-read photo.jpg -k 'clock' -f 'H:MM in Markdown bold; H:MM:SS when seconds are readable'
**5:06**
